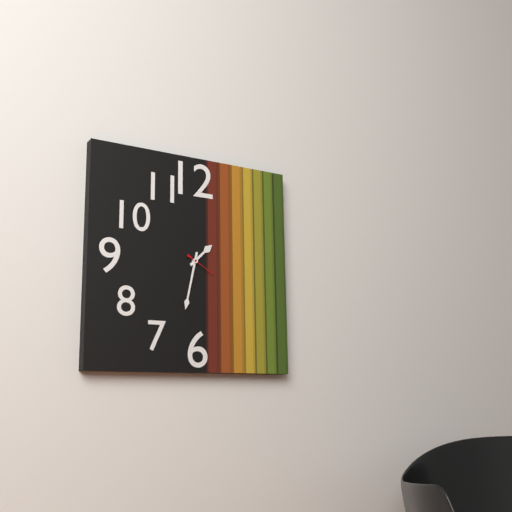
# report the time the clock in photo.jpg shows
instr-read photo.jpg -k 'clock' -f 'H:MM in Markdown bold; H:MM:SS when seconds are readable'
**1:32**
